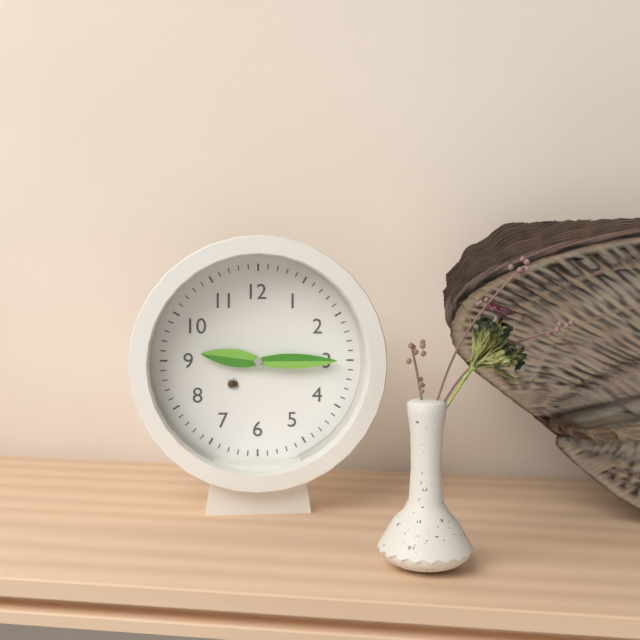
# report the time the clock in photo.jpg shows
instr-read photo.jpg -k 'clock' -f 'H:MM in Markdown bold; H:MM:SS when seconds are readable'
**9:15**
